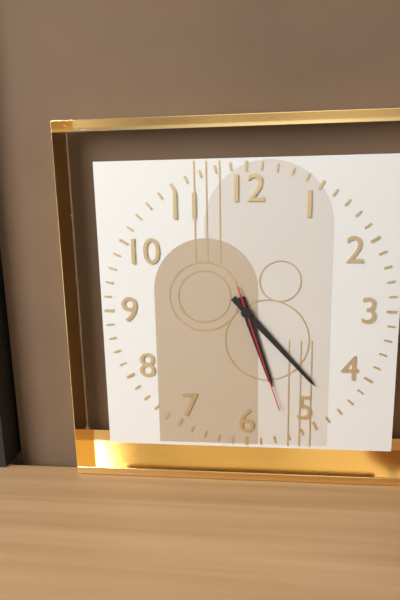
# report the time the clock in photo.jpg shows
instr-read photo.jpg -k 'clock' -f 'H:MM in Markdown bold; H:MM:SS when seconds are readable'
**5:23:27**
